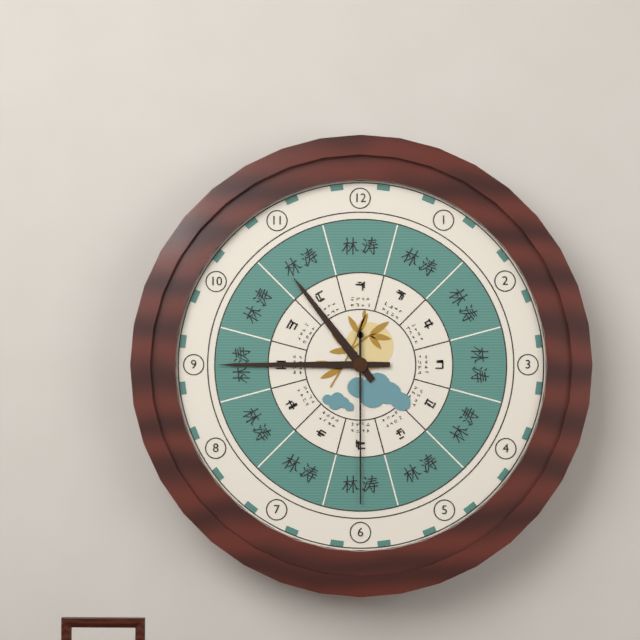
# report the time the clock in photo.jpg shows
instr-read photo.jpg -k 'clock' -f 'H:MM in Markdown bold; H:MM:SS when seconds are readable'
**10:45:30**
